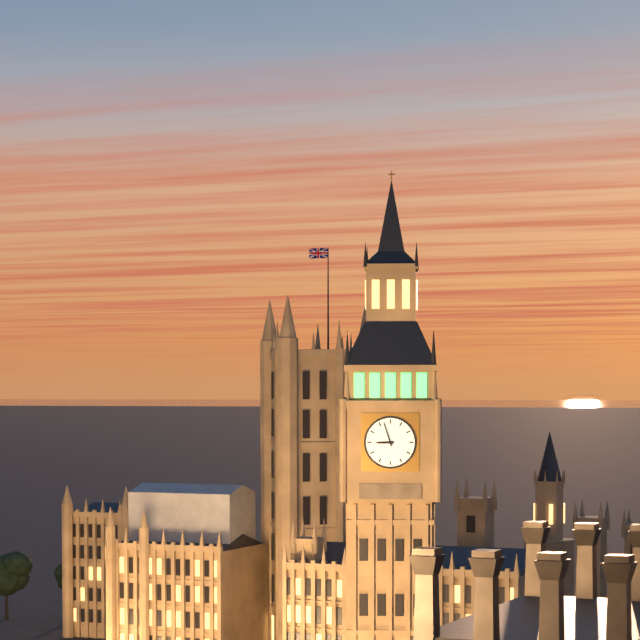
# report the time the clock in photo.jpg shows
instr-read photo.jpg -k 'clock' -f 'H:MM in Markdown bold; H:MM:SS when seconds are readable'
**8:57**
